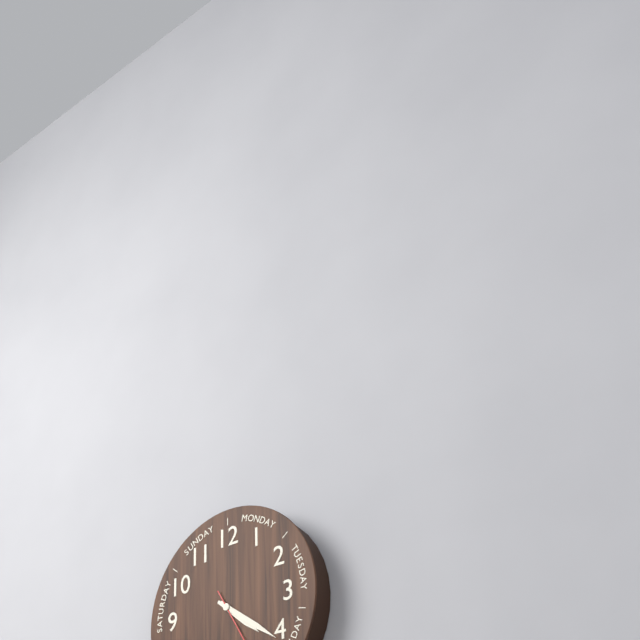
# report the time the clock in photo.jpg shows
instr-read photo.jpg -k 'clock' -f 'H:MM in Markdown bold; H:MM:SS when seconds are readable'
**4:21**
